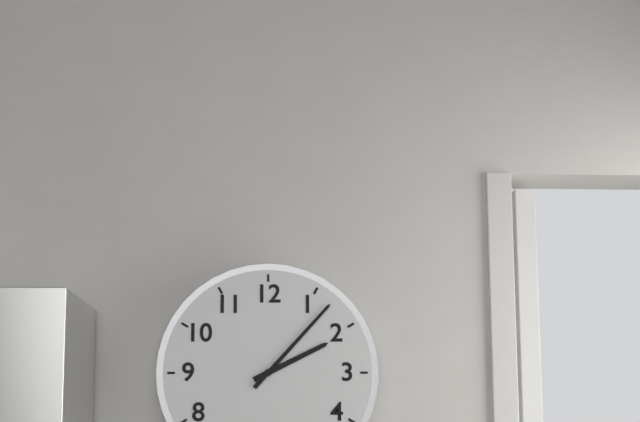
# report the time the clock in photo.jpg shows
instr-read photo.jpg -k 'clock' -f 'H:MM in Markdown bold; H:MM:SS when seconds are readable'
**2:07**
